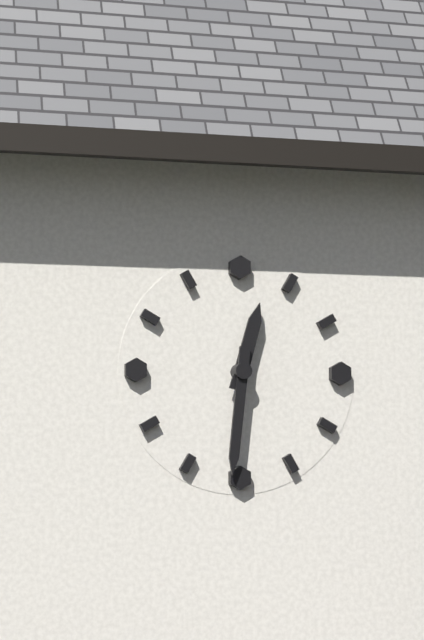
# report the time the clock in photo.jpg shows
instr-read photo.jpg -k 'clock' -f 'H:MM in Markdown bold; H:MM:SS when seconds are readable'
**12:31**
